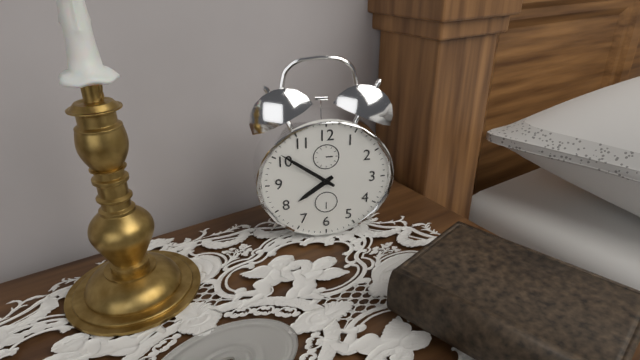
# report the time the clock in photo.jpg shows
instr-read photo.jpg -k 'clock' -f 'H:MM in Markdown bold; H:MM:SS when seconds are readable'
**7:51**
